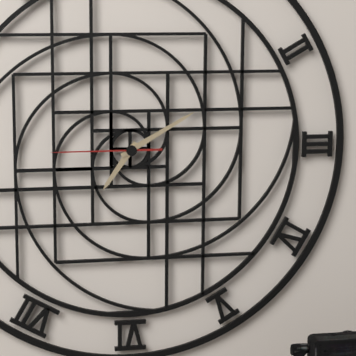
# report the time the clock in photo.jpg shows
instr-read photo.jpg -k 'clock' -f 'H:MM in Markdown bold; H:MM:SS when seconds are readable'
**7:10:45**
